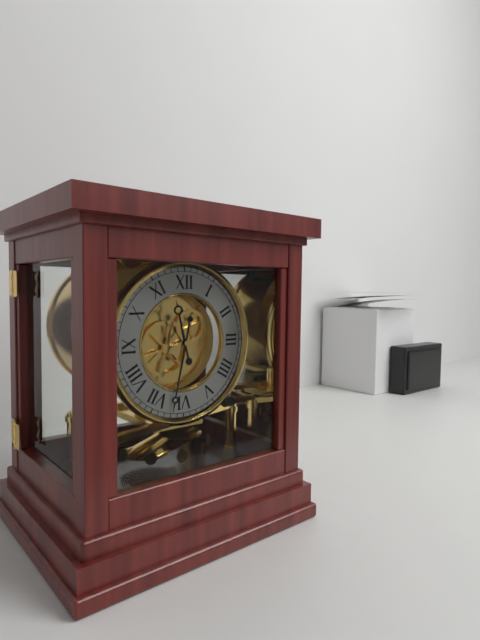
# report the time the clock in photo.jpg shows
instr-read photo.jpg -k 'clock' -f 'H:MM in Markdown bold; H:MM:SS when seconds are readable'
**11:32**
